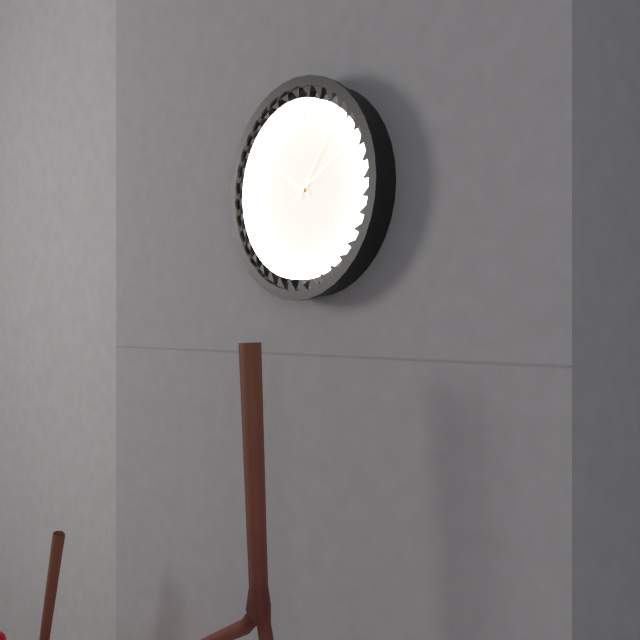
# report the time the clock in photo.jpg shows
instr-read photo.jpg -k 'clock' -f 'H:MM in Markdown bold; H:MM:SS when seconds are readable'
**10:06:10**
